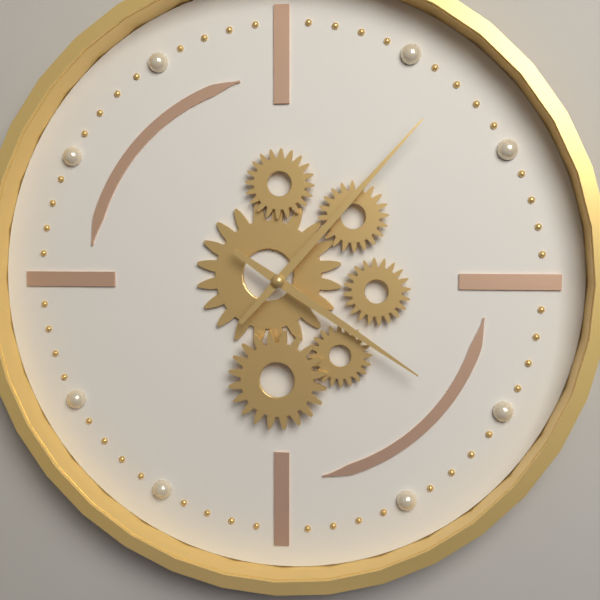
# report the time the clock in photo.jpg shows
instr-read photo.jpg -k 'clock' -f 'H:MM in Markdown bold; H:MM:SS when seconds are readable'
**4:07**
